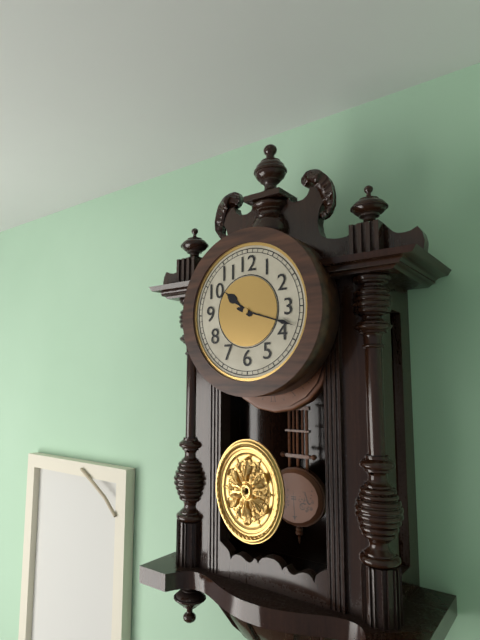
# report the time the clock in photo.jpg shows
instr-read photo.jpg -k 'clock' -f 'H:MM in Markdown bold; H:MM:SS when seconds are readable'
**10:18**
